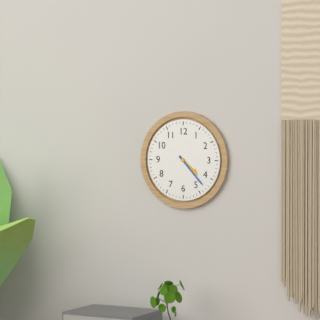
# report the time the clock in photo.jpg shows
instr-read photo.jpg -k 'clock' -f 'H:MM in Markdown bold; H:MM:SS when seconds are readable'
**4:23**
